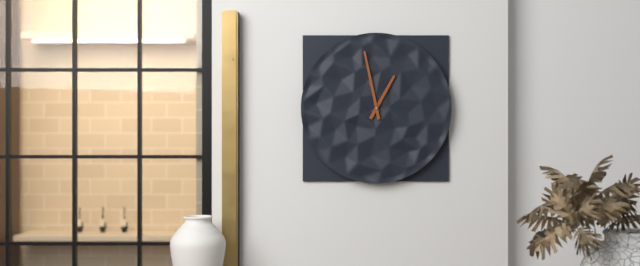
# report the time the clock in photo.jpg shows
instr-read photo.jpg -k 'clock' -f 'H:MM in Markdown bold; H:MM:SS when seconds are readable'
**12:58**
